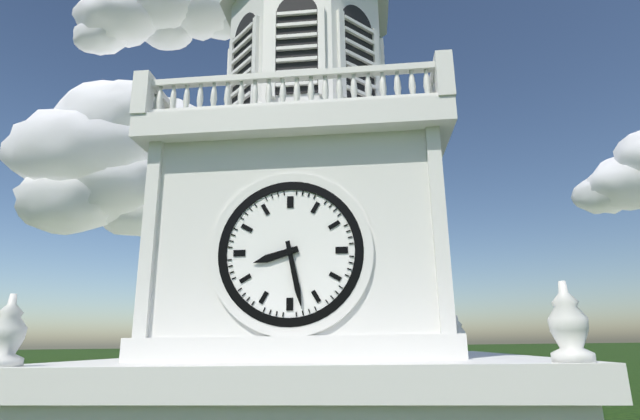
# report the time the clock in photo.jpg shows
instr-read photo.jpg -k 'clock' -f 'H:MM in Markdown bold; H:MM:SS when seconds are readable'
**8:28**
